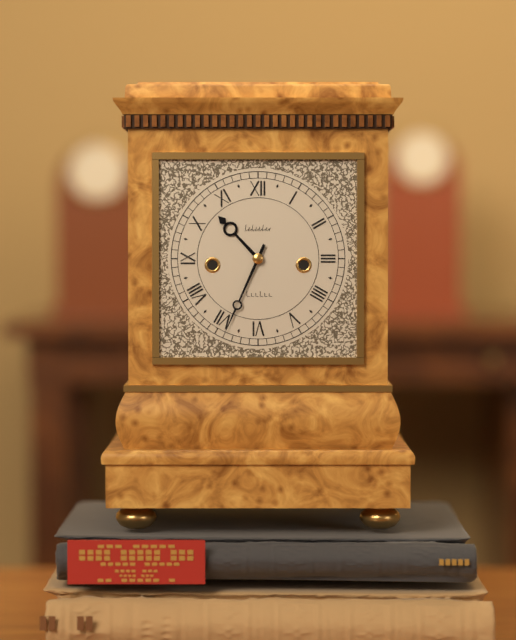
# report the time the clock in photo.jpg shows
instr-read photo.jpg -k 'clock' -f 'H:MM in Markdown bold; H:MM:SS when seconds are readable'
**10:34**
